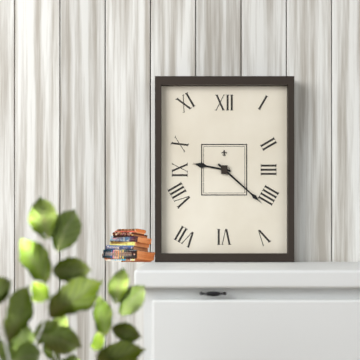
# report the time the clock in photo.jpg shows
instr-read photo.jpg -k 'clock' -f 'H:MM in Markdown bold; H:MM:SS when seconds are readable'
**9:22**
